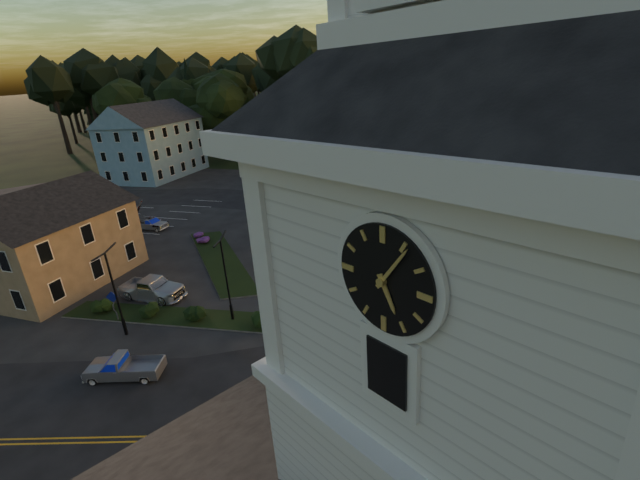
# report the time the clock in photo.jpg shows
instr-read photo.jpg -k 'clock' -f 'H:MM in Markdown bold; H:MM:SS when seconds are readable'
**5:06**
